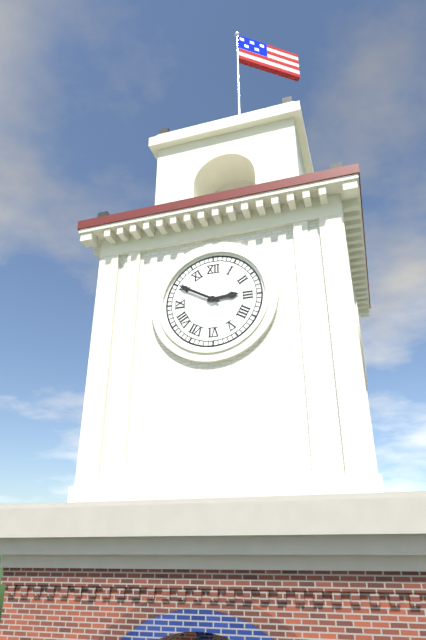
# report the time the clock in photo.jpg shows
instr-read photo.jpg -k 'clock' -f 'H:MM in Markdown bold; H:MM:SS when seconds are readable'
**2:50**
